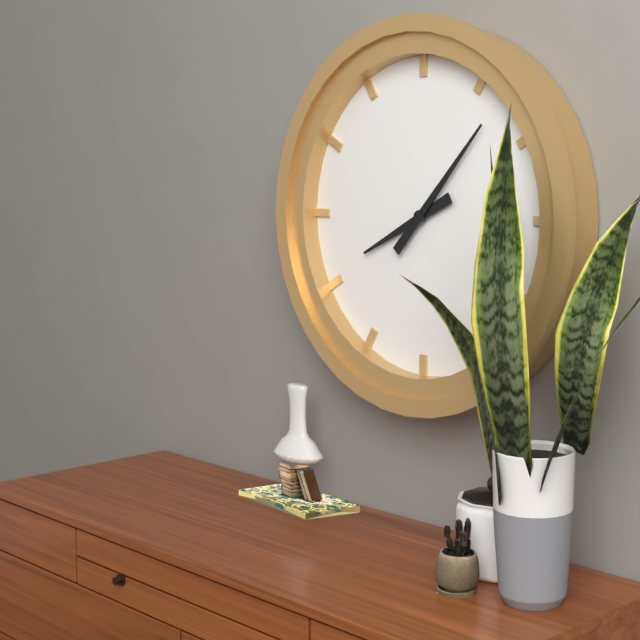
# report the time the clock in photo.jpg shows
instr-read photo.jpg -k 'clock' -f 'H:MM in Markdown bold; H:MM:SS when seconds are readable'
**8:07**
